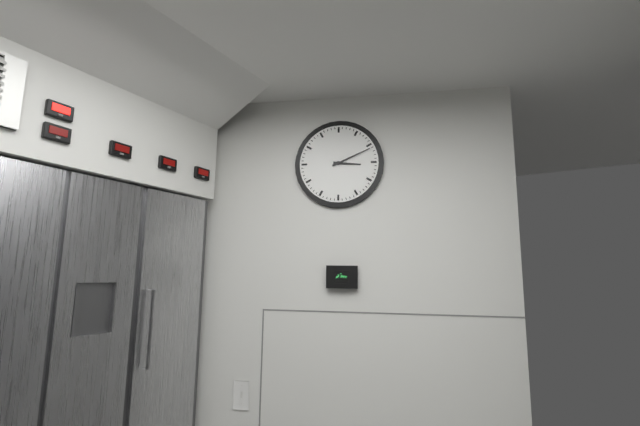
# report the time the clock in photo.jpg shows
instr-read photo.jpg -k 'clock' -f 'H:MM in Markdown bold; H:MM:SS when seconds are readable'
**3:11**
